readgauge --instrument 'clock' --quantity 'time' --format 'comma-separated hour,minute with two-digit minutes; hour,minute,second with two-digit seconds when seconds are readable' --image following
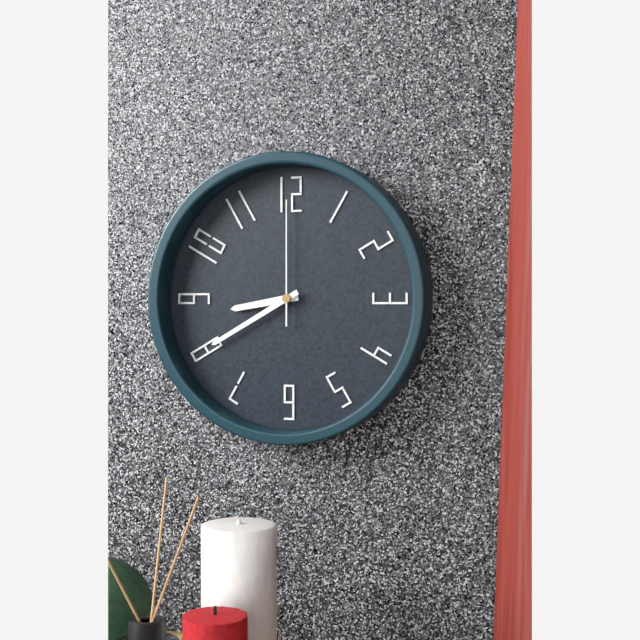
8,40,00
